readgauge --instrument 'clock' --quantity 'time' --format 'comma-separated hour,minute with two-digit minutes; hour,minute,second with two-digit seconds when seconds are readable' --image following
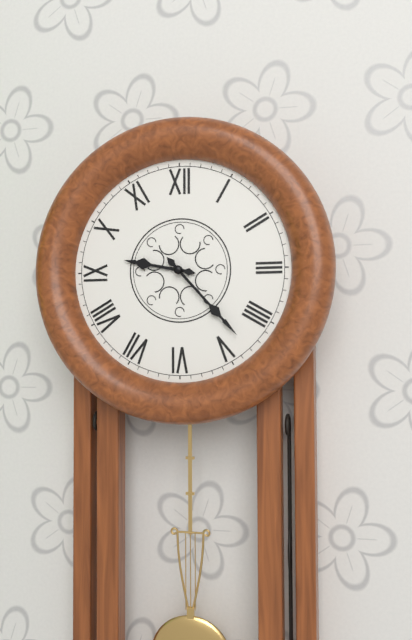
9,23
